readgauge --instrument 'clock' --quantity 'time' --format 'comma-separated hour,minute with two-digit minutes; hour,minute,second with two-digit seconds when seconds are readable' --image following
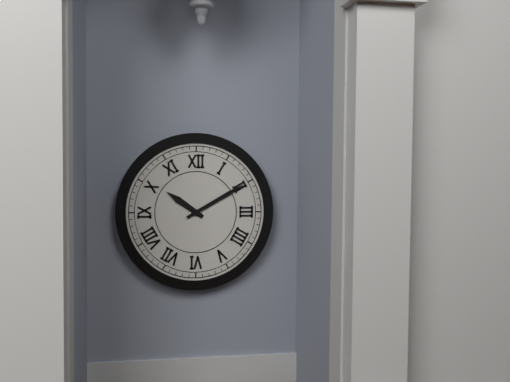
10,10
